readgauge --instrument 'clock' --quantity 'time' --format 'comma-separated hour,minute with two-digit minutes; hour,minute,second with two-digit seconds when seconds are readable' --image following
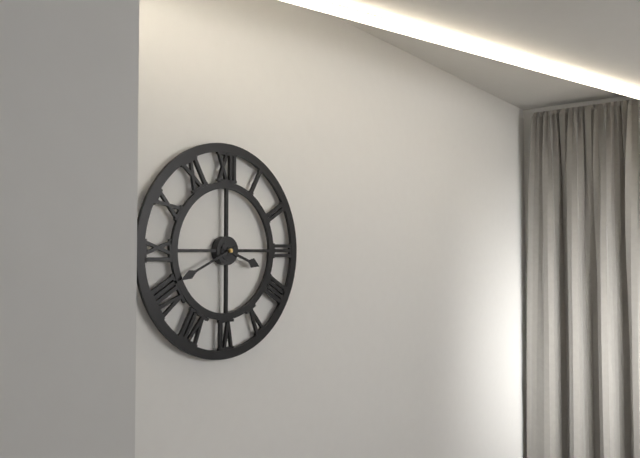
3,41
